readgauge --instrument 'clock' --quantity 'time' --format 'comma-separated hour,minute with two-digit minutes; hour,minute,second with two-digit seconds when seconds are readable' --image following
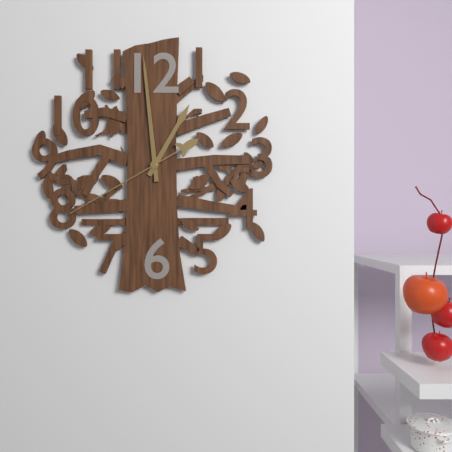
12,59,40
